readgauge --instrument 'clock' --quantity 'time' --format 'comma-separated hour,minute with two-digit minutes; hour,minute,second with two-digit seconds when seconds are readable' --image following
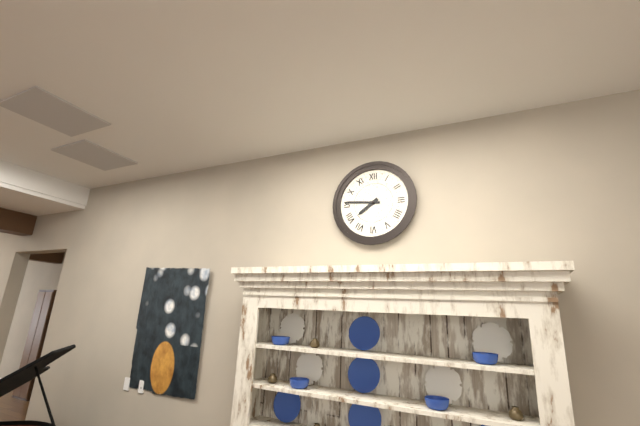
7,46
